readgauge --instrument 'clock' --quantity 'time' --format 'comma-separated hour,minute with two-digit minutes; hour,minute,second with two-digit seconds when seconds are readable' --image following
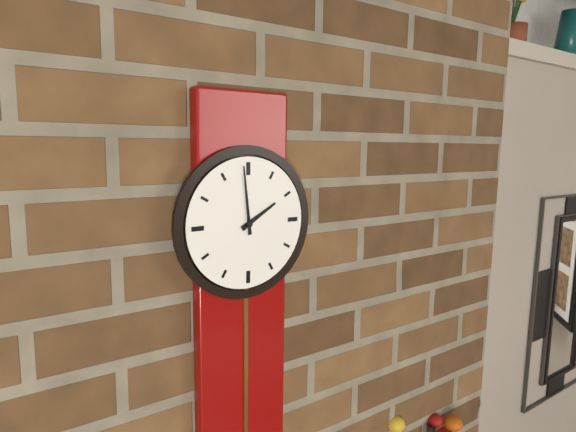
1,59
